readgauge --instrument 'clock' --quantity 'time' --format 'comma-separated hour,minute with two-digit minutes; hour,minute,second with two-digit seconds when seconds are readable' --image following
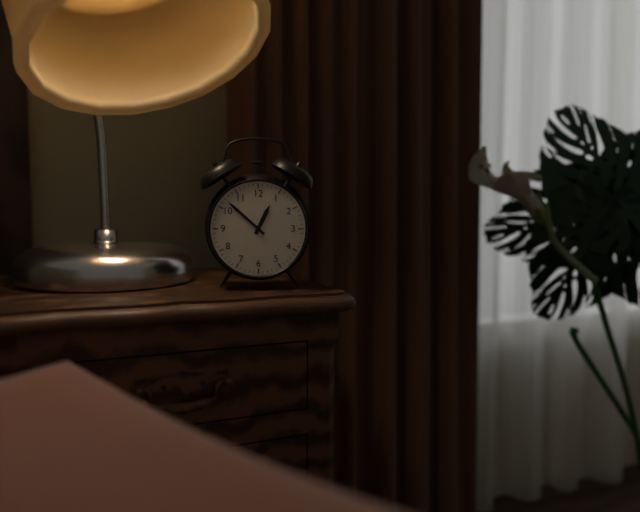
12,52
